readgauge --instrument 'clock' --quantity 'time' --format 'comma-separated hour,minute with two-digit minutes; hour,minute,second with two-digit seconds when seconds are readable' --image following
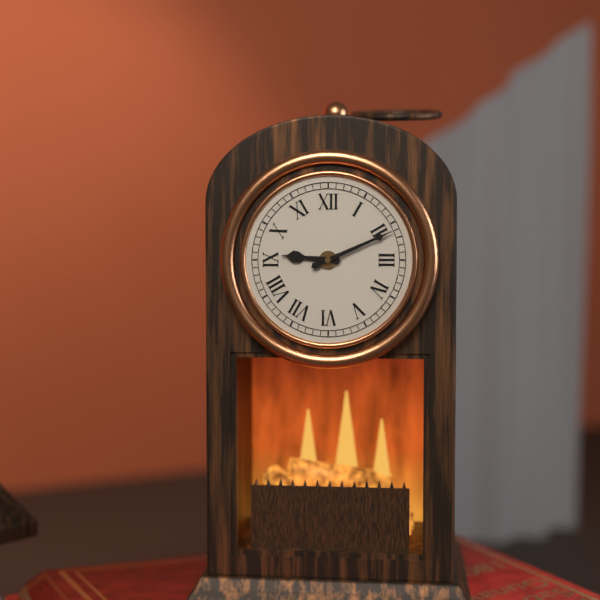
9,11
